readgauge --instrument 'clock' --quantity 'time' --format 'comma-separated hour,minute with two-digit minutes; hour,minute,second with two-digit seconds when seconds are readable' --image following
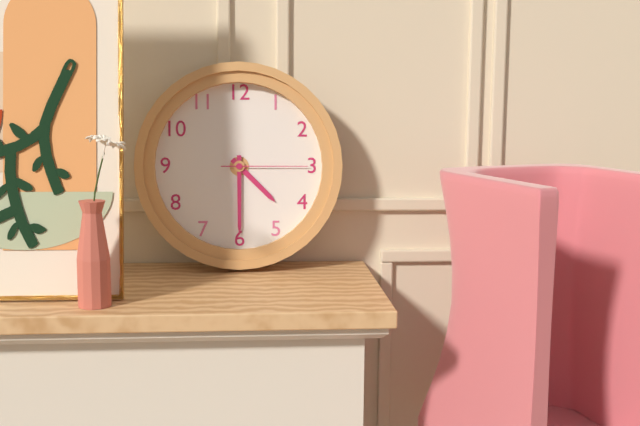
4,30,15
